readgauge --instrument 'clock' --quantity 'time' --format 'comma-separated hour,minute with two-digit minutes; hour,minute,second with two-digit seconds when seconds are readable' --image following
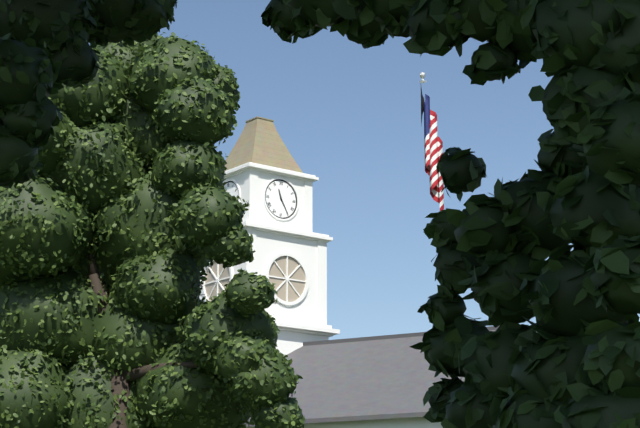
11,25
